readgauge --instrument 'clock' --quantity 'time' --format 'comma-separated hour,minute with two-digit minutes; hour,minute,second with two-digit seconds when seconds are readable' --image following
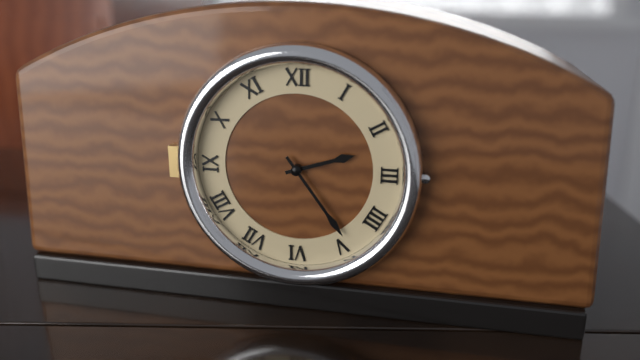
2,24
